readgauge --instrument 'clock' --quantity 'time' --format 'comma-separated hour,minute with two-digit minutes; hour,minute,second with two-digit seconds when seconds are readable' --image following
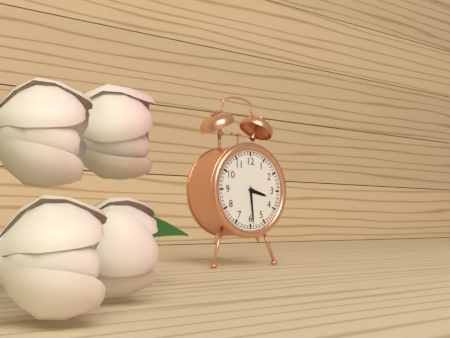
3,29
